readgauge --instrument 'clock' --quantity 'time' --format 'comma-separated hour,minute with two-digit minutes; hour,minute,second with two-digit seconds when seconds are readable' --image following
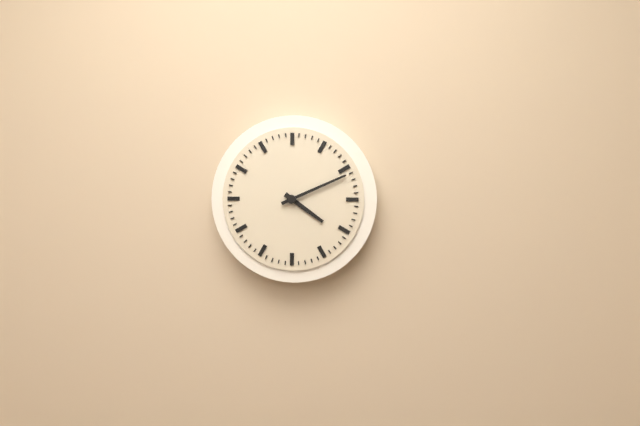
4,11
